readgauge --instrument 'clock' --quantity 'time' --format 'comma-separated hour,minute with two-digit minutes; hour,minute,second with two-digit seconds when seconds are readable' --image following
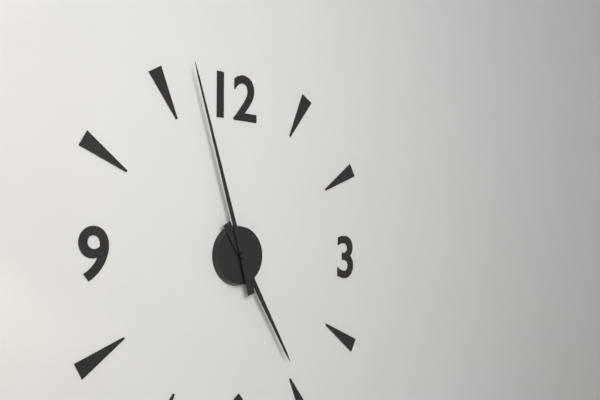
4,57
